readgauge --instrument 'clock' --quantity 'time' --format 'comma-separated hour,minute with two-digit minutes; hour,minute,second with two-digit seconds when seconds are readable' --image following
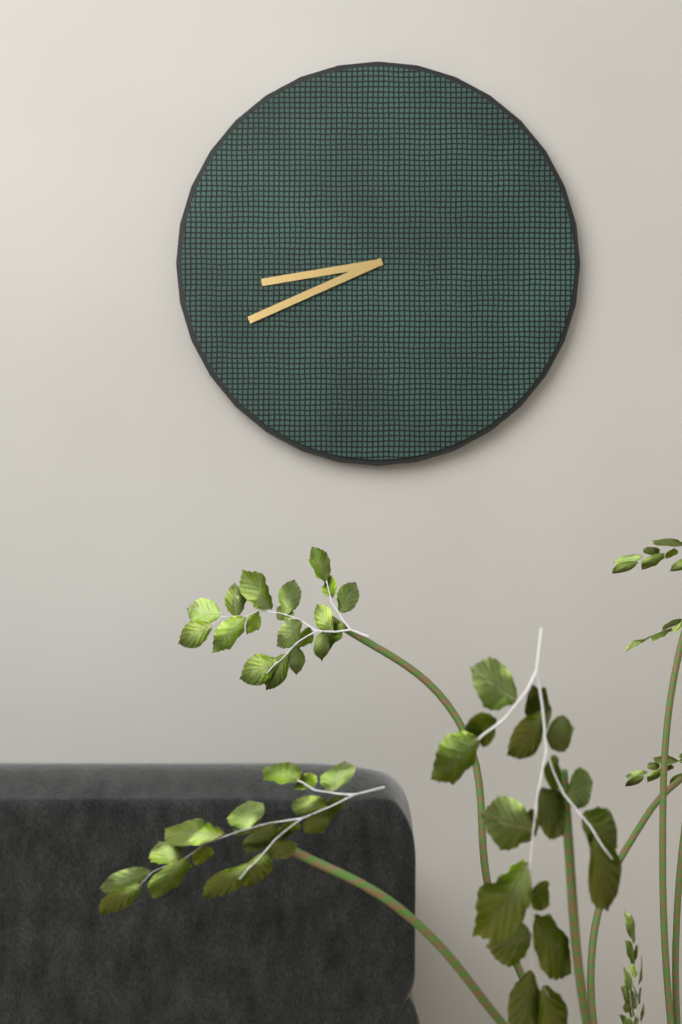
8,41
